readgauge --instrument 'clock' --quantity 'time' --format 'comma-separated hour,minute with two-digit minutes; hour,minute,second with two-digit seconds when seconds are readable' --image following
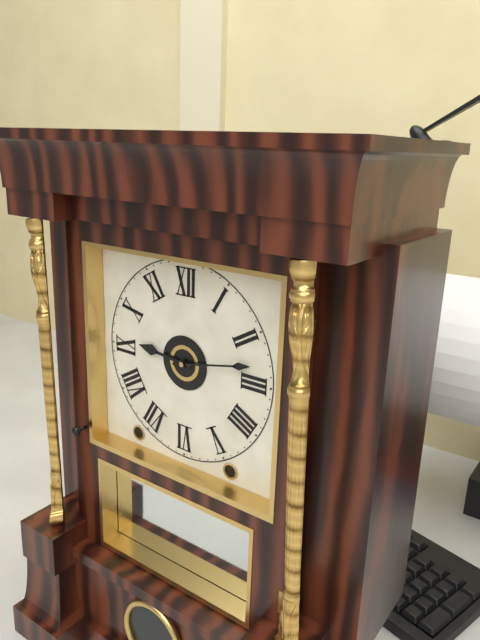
9,13
